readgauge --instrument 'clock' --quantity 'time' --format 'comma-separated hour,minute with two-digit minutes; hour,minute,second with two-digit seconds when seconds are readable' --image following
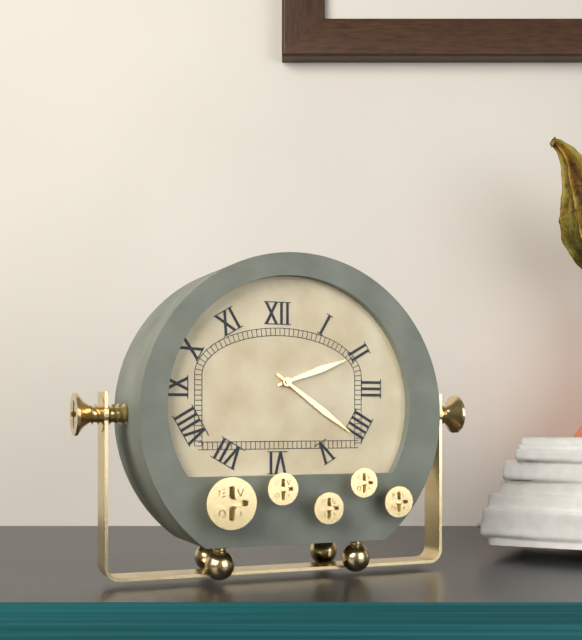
2,21
